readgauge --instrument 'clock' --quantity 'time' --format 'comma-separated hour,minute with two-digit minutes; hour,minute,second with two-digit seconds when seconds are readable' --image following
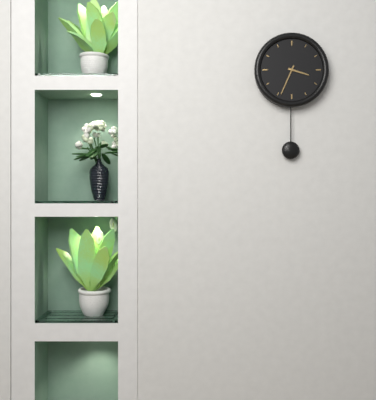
3,34
